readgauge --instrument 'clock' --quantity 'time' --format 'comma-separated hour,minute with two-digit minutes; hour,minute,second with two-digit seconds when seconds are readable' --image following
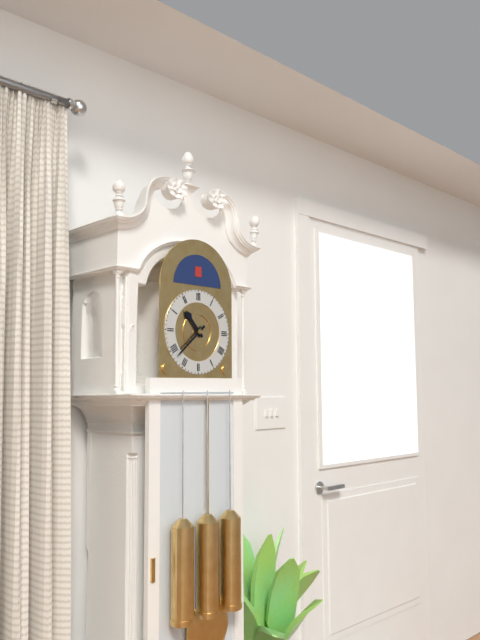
10,38
